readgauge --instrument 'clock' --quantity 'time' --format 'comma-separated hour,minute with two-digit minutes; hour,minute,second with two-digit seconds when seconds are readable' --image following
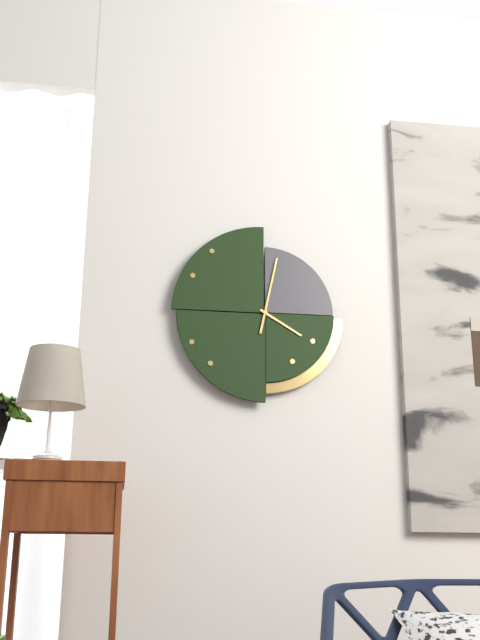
4,02
